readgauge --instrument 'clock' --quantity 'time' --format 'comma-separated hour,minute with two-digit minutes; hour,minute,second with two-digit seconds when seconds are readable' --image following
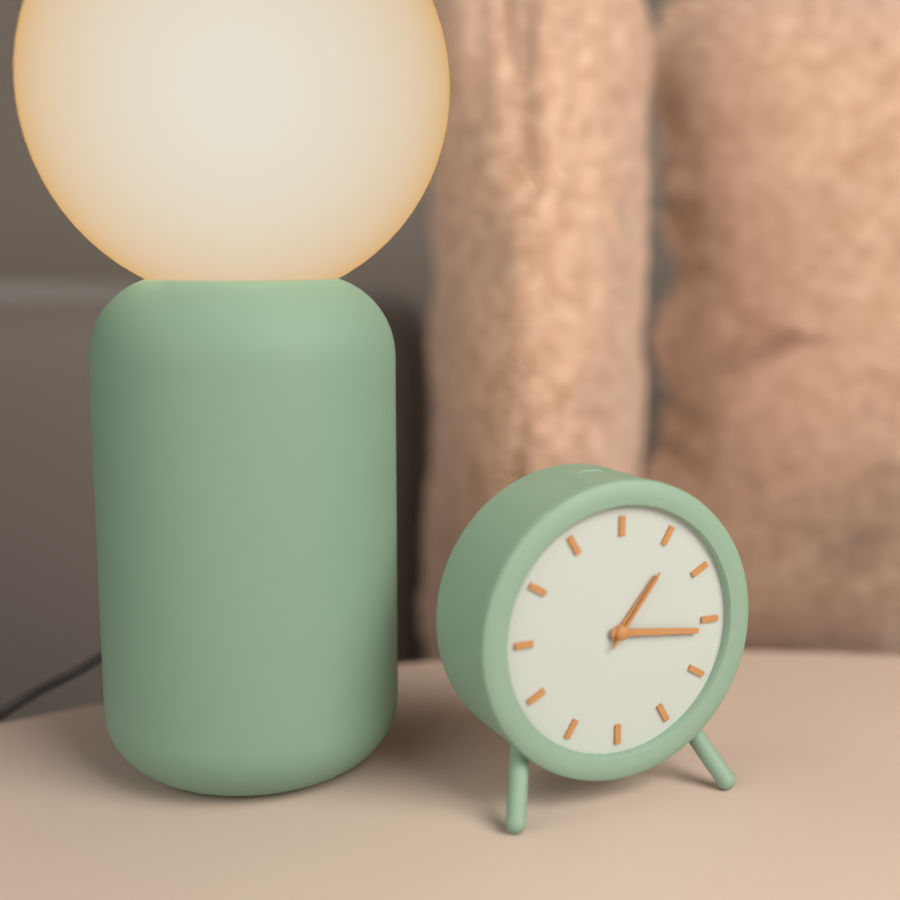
1,16,06
